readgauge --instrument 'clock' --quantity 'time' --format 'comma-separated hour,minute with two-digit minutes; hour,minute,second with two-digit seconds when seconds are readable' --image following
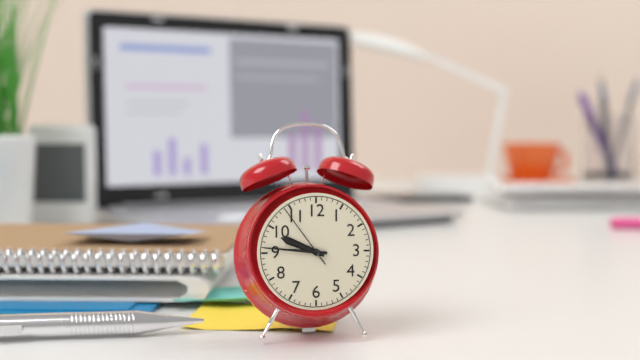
9,46,54
